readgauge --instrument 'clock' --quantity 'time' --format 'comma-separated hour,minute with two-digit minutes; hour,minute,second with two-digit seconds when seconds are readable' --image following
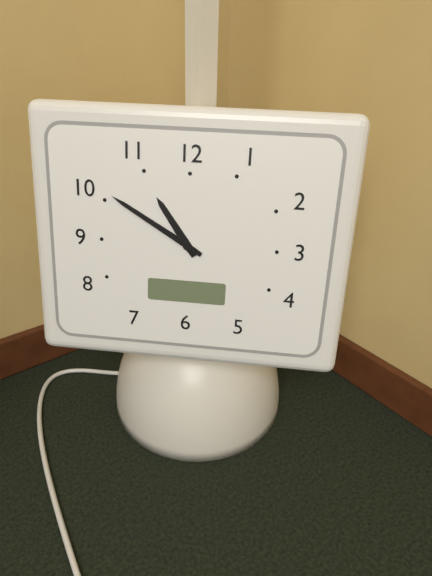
10,50
